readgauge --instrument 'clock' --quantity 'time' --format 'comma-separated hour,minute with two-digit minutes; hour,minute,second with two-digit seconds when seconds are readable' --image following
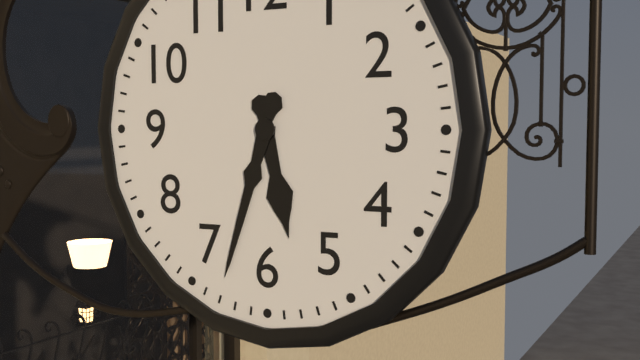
5,33
